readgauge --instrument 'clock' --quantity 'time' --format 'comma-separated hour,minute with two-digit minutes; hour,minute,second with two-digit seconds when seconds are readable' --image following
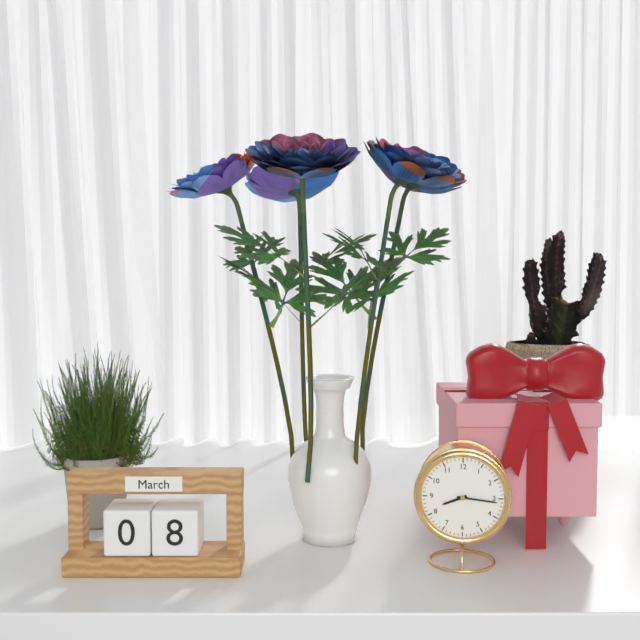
8,16
